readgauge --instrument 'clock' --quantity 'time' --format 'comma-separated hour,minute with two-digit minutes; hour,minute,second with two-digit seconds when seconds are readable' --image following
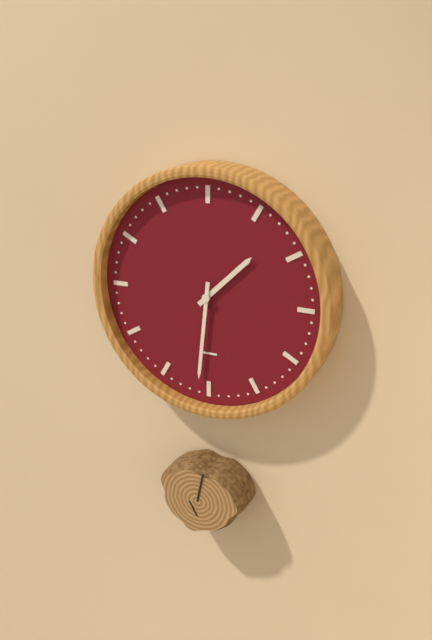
1,31
